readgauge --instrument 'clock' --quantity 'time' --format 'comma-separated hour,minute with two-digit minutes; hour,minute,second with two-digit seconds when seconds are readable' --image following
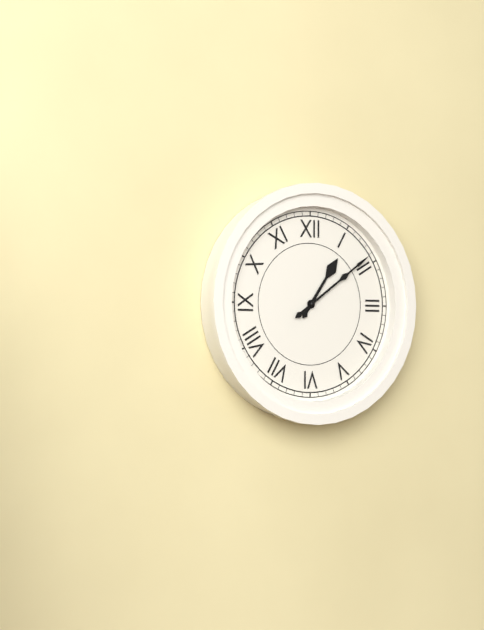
1,09
